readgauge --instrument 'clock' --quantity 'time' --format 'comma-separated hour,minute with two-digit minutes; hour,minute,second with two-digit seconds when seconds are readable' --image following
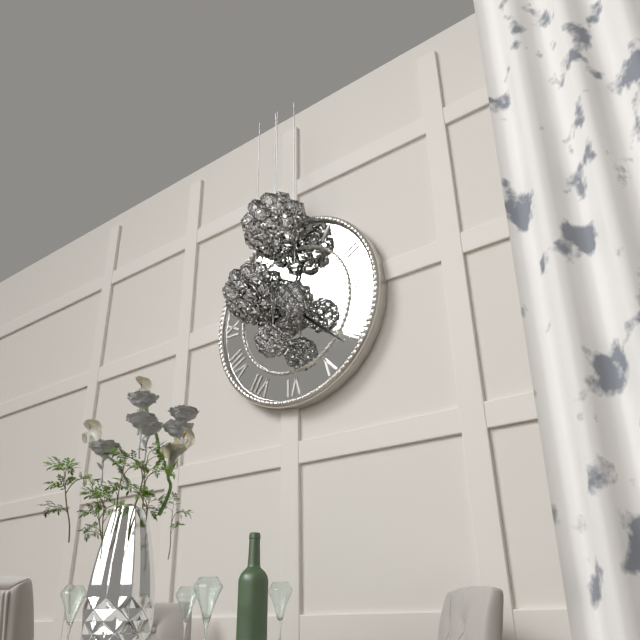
12,22
